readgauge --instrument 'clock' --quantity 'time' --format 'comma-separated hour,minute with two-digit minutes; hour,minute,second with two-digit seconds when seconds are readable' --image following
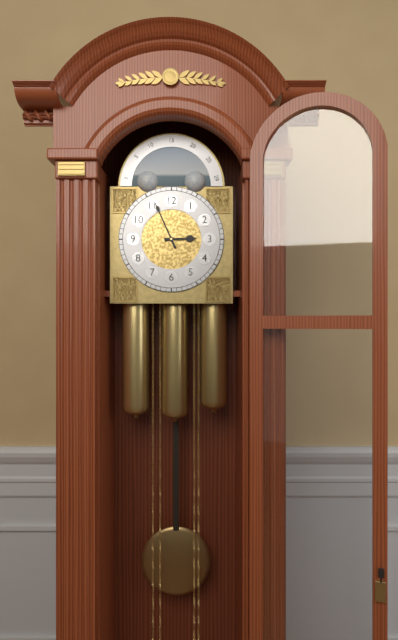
2,56
